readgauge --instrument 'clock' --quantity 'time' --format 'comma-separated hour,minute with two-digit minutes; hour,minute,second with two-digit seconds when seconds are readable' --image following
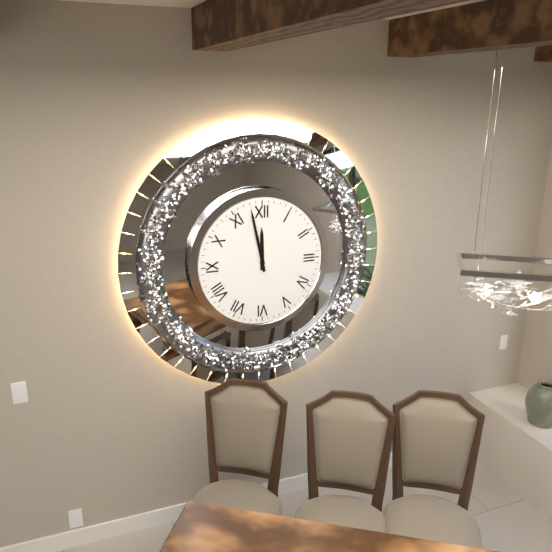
11,58
